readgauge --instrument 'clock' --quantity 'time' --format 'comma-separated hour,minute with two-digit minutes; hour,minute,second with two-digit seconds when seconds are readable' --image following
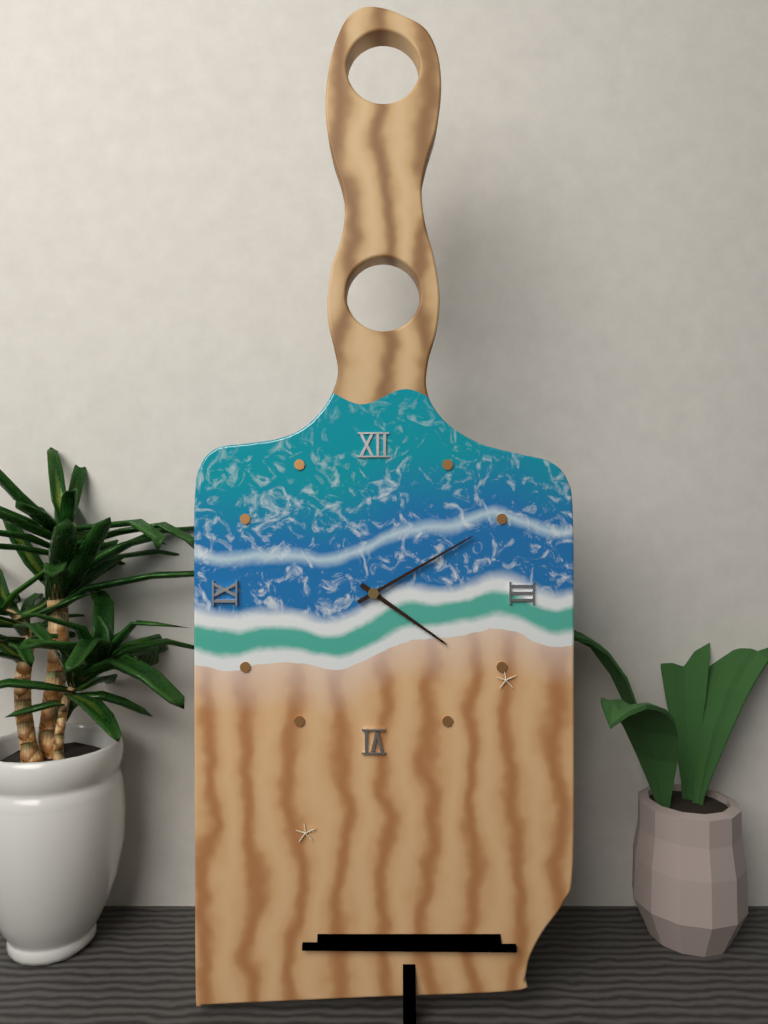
4,10
